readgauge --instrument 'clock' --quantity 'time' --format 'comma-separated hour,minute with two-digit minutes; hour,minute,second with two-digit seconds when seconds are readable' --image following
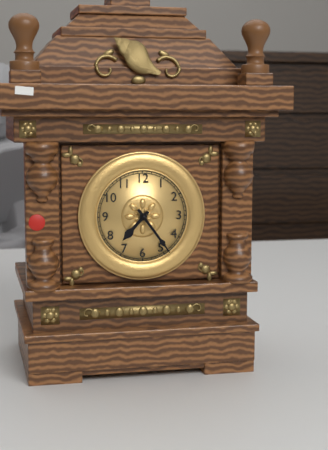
7,24
